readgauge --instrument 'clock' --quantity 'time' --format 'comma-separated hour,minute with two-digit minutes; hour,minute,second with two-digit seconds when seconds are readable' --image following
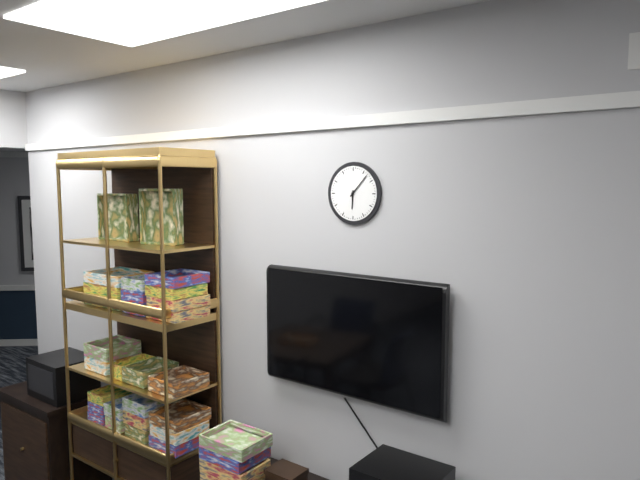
6,07
